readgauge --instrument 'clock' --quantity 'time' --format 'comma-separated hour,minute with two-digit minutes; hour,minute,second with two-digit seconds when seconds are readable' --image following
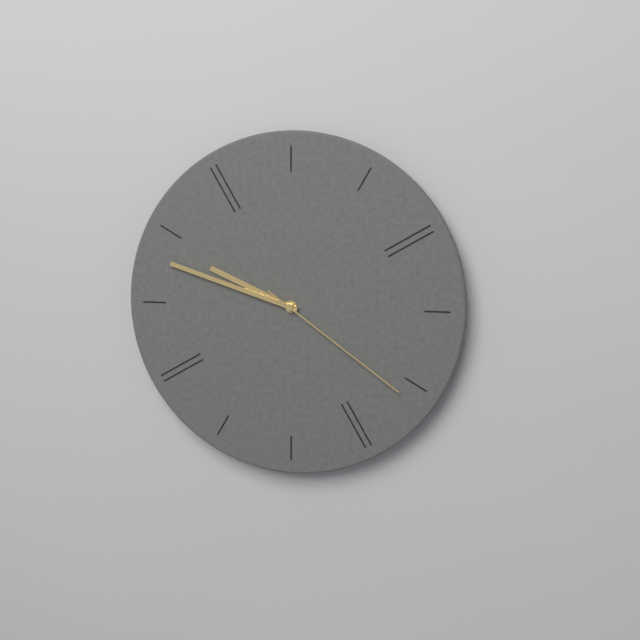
9,48,21
